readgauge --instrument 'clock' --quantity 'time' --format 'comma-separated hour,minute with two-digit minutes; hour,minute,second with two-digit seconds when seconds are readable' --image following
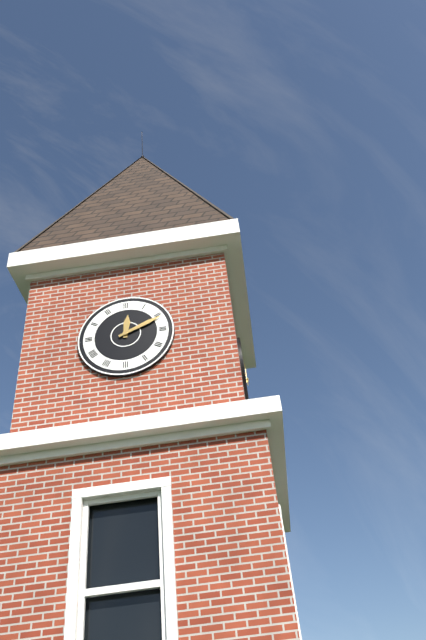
12,11
